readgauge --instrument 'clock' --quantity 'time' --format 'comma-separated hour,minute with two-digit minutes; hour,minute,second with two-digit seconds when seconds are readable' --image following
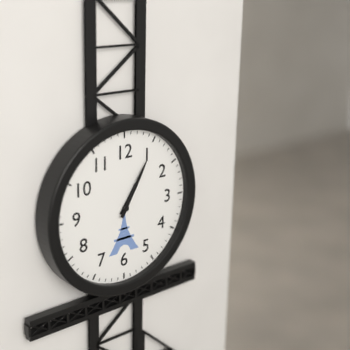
1,05
